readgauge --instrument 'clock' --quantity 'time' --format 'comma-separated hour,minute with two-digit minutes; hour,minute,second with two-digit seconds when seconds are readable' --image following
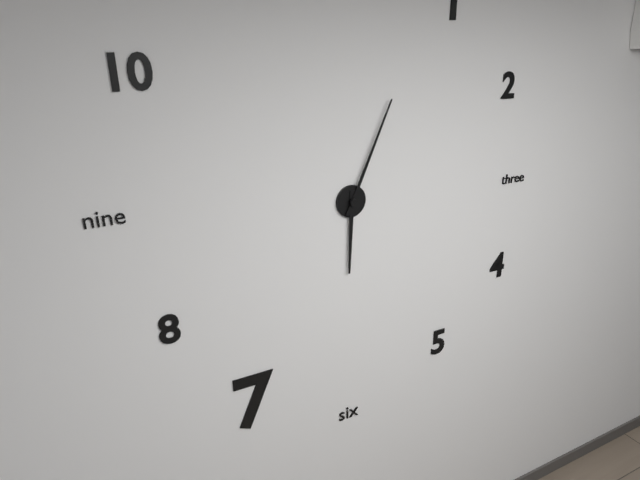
6,04
